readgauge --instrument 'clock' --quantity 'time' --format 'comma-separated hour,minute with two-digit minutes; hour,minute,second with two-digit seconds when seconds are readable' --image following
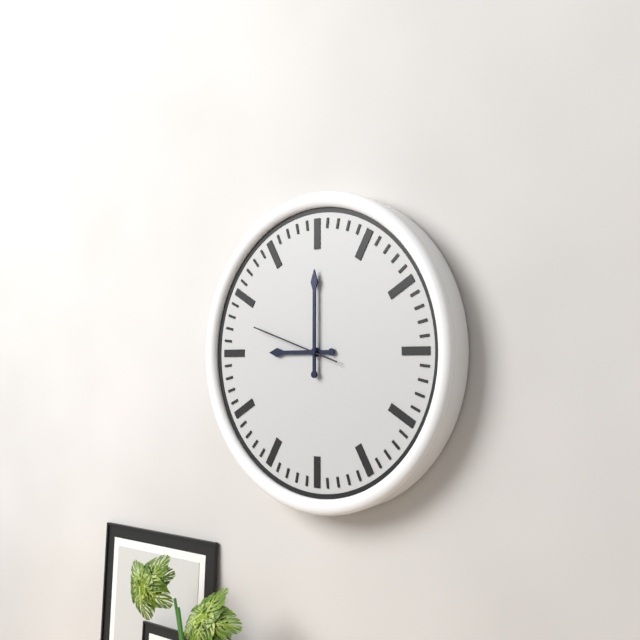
9,00,48
